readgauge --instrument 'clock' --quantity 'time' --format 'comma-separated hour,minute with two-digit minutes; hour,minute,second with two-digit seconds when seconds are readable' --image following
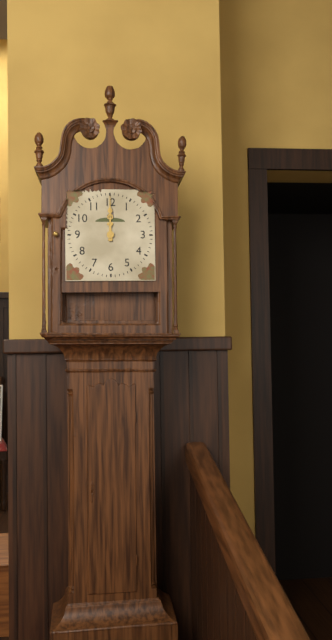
12,00
